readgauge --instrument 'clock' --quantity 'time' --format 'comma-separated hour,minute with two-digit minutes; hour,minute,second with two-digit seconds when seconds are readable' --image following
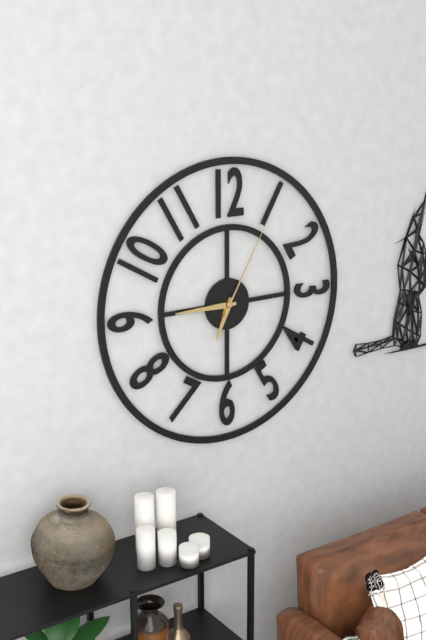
6,45,05
